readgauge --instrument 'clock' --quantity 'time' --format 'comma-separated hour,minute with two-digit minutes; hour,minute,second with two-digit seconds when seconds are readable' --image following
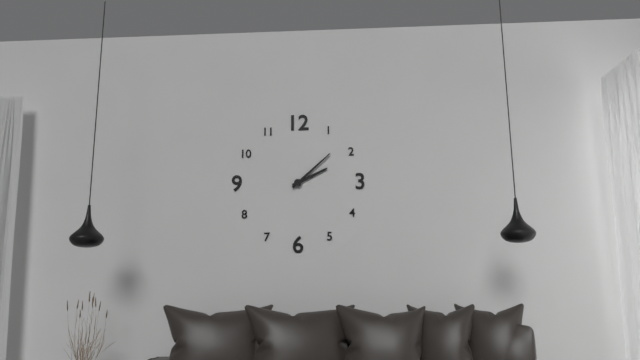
2,08
